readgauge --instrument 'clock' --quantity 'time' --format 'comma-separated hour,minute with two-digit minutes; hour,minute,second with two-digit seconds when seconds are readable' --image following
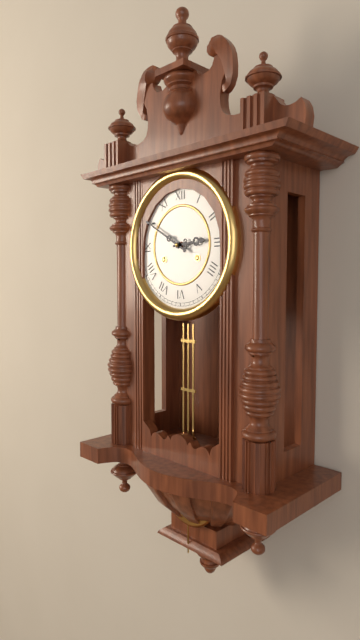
2,50
